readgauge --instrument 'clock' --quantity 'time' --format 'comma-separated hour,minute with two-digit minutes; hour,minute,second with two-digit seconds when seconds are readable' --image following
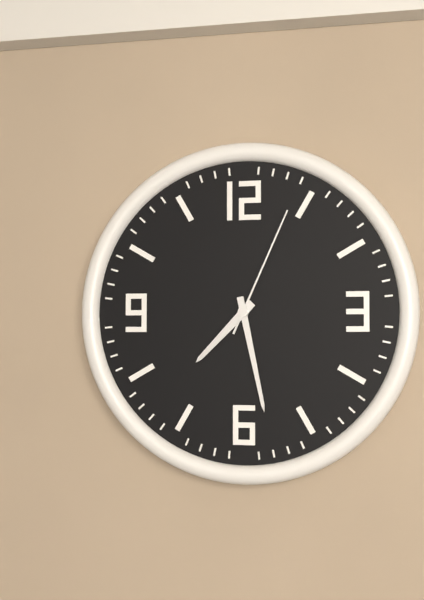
7,28,04
